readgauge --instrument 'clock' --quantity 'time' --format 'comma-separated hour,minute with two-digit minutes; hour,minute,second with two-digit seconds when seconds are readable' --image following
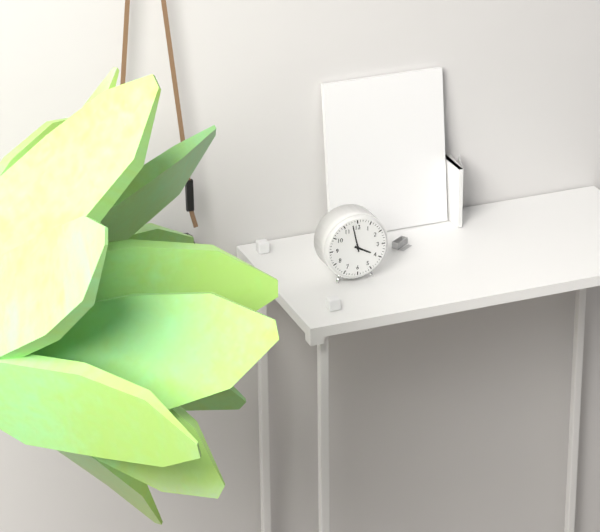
3,58
